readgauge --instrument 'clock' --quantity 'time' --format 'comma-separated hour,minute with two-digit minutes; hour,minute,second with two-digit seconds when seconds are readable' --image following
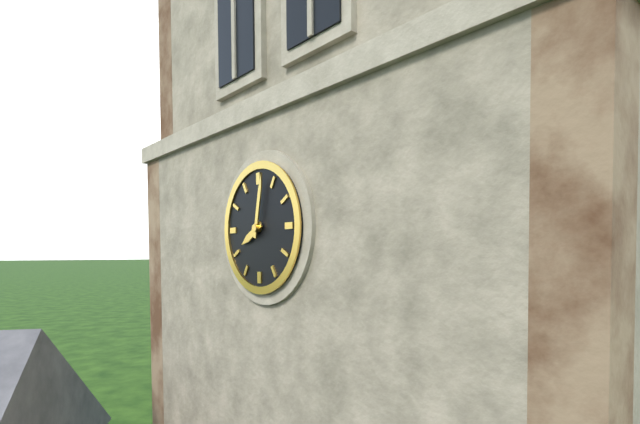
8,02
